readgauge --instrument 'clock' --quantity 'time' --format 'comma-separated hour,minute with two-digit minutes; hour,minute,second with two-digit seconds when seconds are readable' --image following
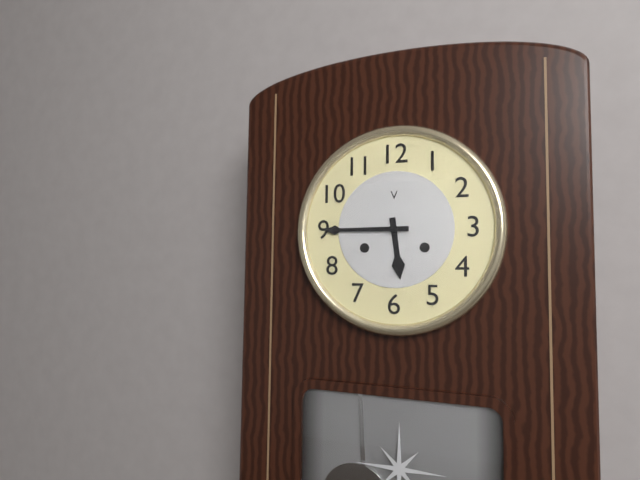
5,45
